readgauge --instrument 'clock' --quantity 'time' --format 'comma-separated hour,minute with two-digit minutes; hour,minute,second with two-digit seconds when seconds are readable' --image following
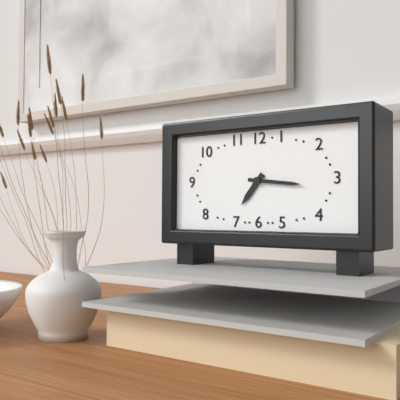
7,16
